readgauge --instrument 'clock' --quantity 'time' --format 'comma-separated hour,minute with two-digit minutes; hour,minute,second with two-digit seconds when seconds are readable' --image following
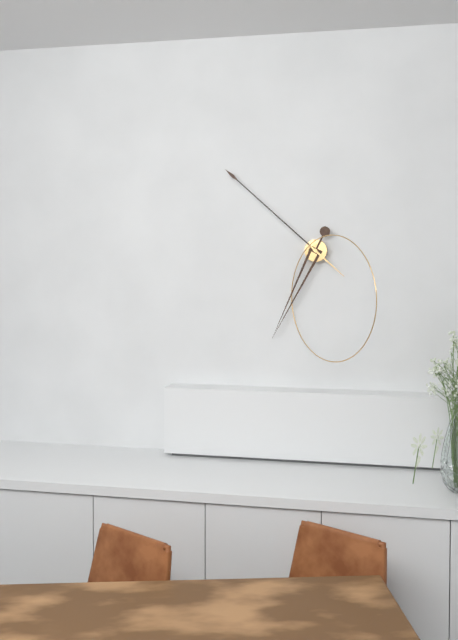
6,52
